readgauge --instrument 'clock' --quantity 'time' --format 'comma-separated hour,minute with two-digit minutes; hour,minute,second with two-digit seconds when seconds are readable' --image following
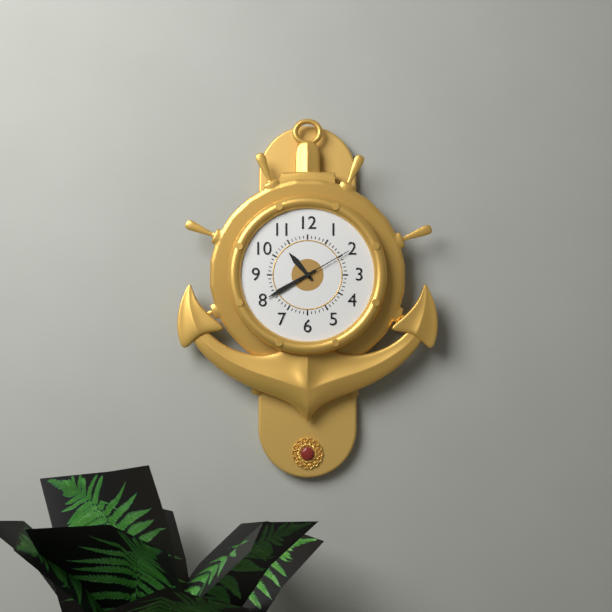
10,40,10
